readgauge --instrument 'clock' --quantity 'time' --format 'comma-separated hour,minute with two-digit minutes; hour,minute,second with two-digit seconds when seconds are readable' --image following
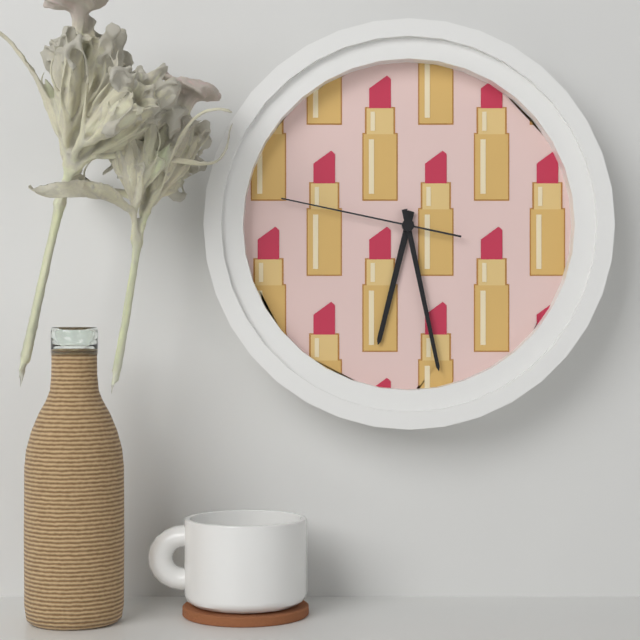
6,28,47
